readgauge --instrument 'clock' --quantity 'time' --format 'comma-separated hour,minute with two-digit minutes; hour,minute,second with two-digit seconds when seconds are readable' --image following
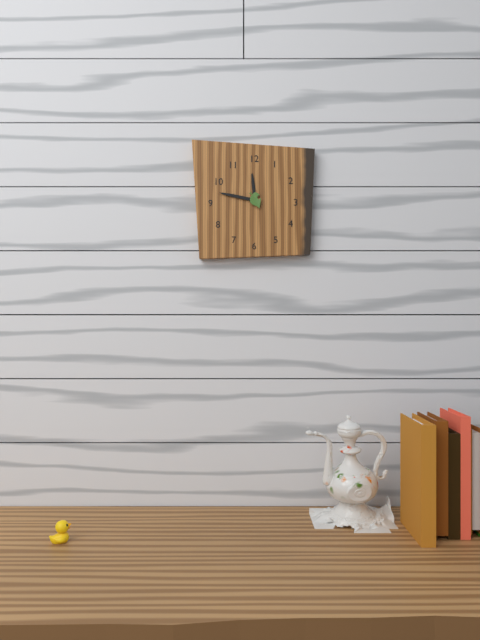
11,47
